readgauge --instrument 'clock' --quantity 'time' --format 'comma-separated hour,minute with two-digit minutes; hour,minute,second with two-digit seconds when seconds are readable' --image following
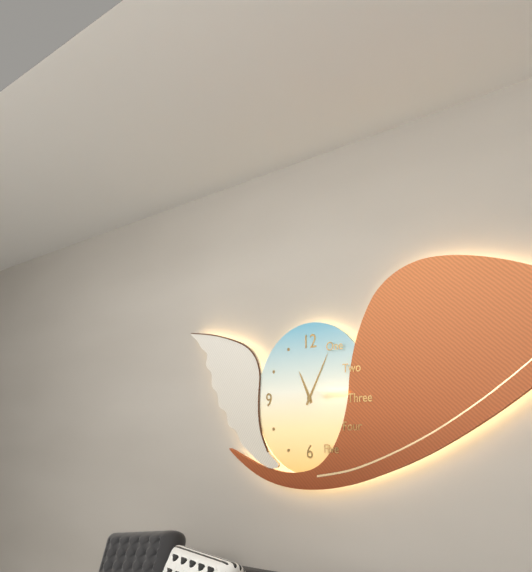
11,05
